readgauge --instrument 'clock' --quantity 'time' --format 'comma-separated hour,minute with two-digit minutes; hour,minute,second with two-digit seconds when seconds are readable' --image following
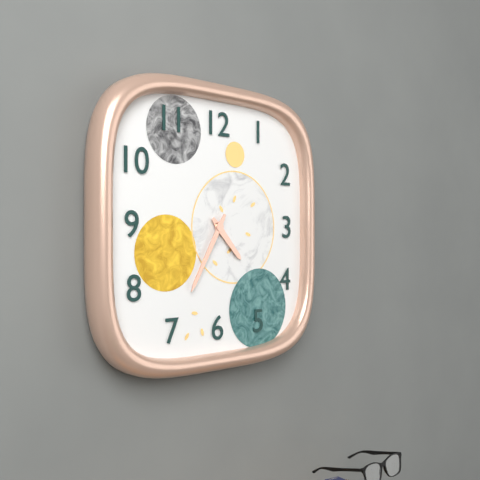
4,35
